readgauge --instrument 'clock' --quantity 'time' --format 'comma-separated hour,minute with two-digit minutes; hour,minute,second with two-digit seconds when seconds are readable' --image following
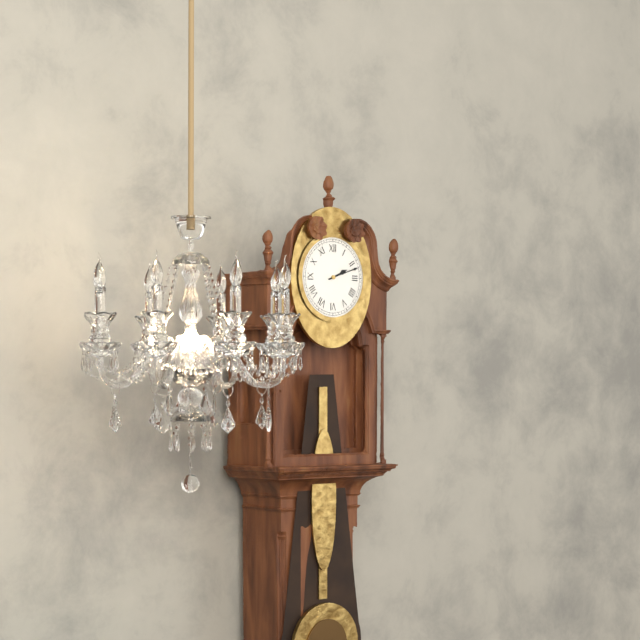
2,12
